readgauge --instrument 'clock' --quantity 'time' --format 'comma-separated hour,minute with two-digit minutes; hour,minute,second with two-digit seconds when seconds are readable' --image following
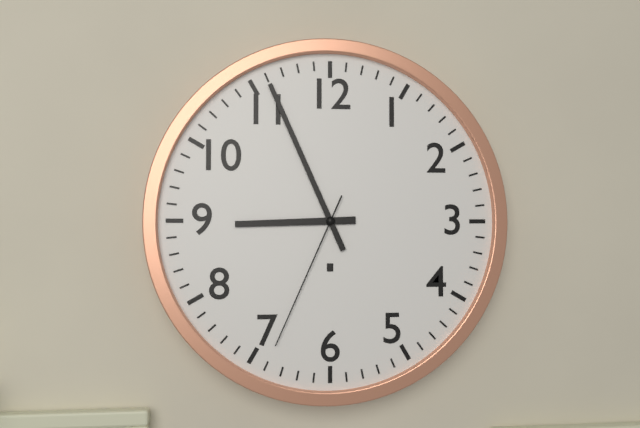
8,56,34
